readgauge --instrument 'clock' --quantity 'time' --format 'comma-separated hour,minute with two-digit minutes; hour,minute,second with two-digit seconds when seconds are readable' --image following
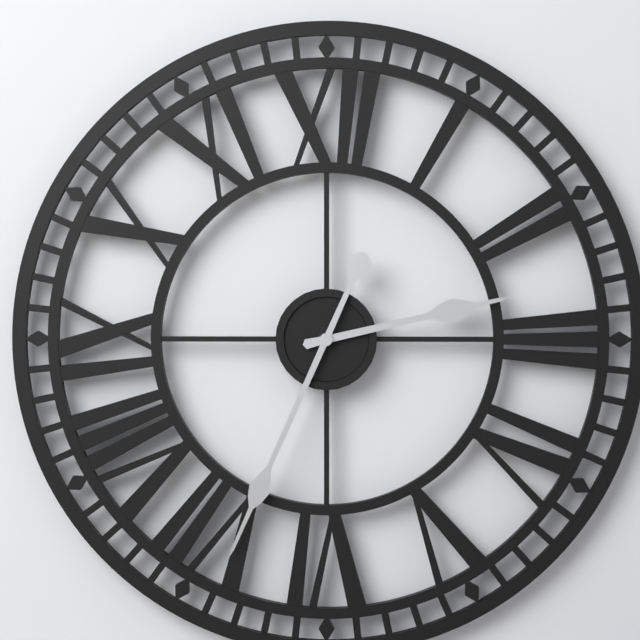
2,34
